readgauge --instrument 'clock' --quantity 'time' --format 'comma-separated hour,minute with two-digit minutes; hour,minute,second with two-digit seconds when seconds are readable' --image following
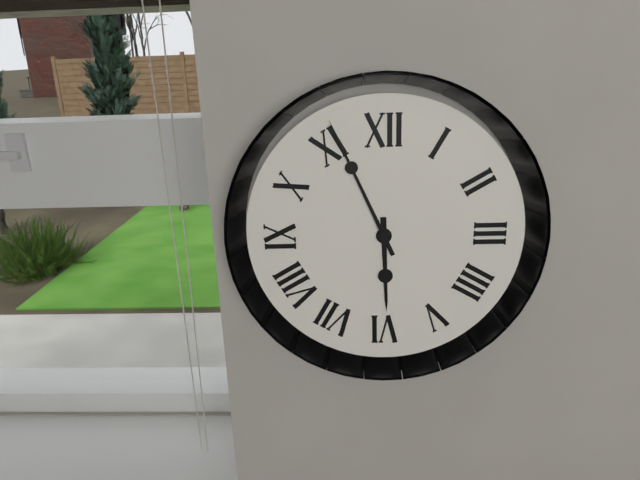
5,56
